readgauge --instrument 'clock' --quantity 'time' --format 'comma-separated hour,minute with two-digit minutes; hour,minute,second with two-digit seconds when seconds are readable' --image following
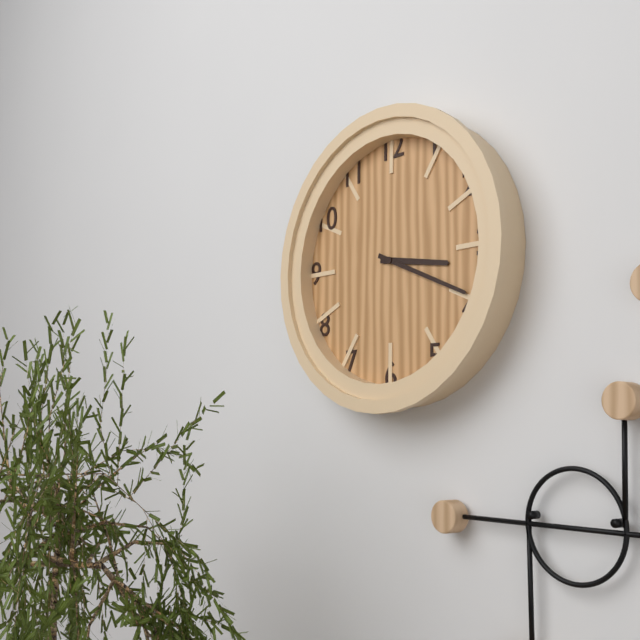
3,19
